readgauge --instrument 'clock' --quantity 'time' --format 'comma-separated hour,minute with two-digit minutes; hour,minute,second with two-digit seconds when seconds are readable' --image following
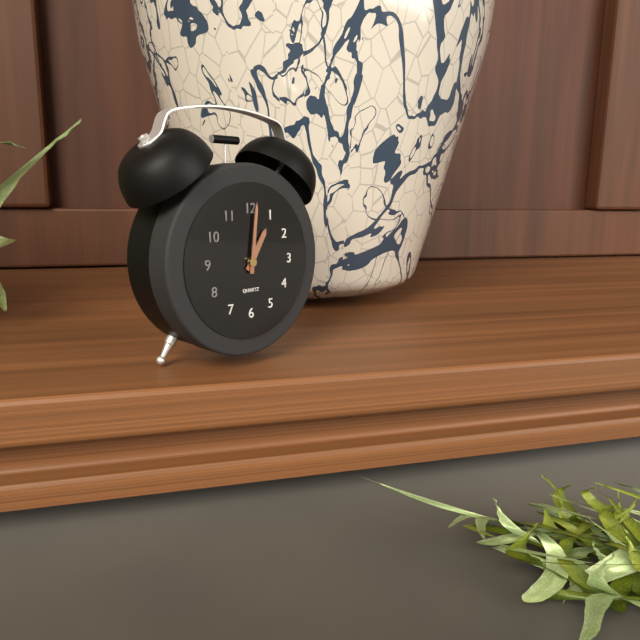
1,01
